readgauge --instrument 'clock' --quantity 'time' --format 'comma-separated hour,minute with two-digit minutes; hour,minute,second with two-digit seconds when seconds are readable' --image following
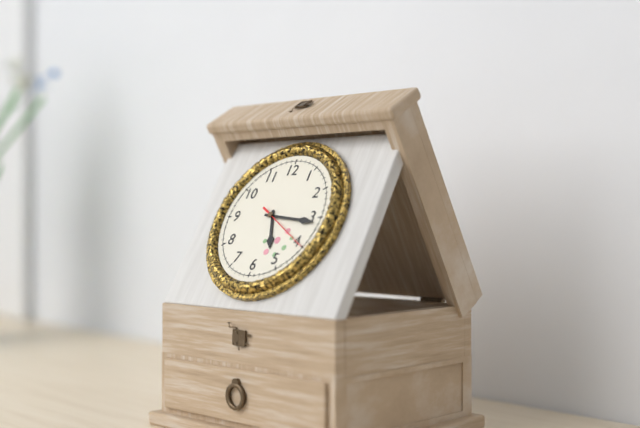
5,16,20
